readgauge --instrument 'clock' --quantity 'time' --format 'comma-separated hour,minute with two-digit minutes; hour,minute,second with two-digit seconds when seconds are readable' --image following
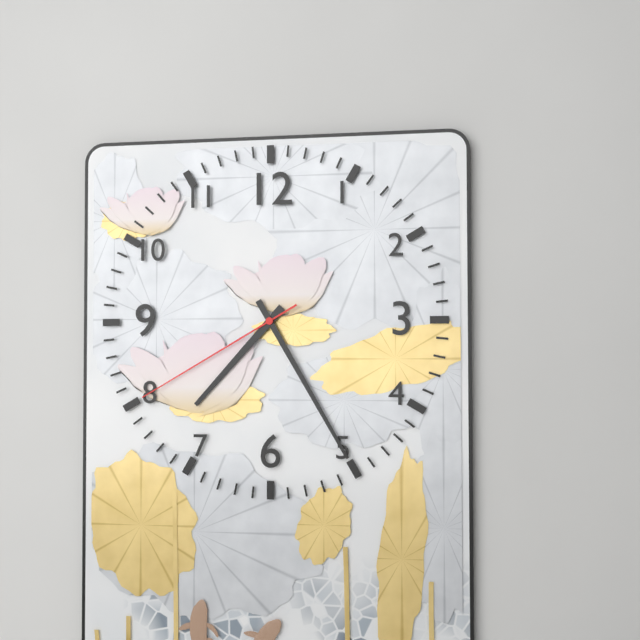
7,25,40
